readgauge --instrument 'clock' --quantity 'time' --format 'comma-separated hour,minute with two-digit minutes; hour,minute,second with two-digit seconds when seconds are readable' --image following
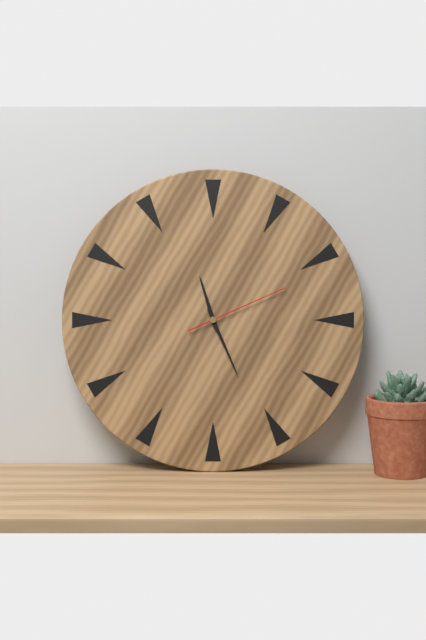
11,26,11
